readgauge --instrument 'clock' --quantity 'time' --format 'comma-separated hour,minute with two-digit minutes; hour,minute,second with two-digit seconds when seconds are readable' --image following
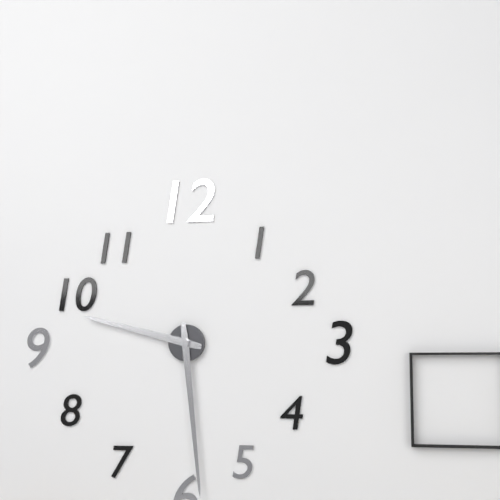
9,29
